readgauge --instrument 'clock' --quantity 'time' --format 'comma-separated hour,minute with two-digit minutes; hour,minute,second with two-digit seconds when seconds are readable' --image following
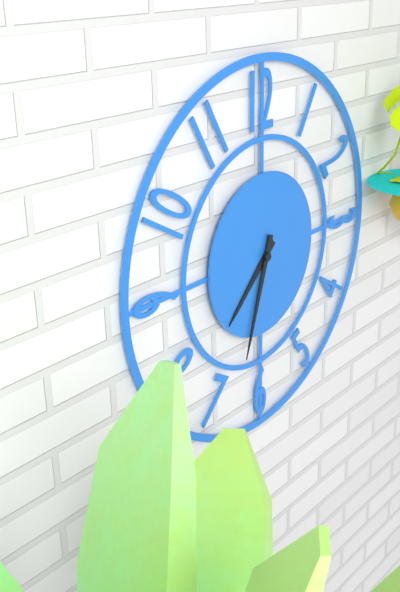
7,33
